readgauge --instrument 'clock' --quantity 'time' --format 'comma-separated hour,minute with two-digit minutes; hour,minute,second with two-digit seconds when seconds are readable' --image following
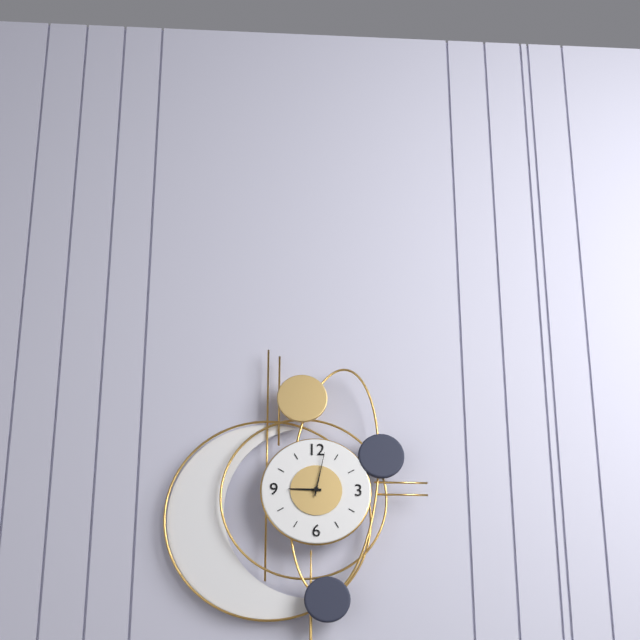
9,02
